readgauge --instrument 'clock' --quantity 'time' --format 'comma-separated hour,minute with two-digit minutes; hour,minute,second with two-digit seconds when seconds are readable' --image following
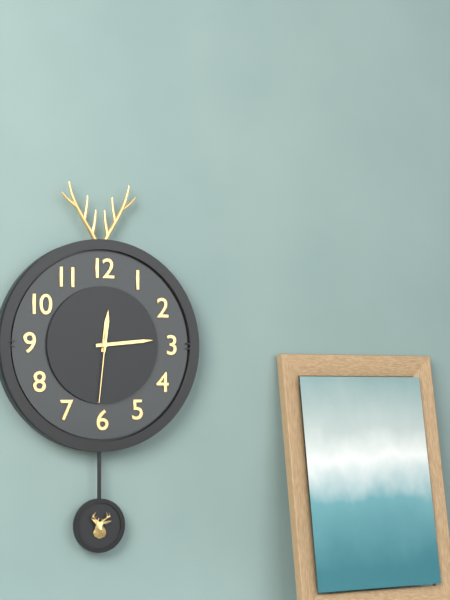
12,14,31
